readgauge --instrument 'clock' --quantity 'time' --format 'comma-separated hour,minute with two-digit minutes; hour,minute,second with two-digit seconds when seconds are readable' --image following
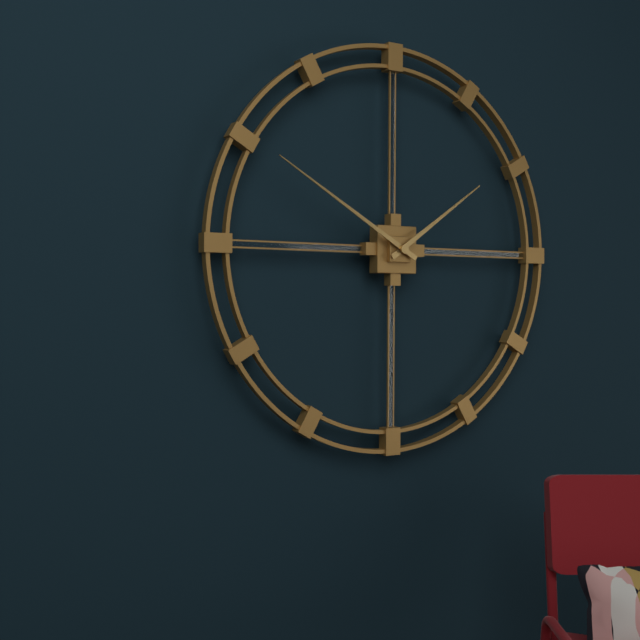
1,50
